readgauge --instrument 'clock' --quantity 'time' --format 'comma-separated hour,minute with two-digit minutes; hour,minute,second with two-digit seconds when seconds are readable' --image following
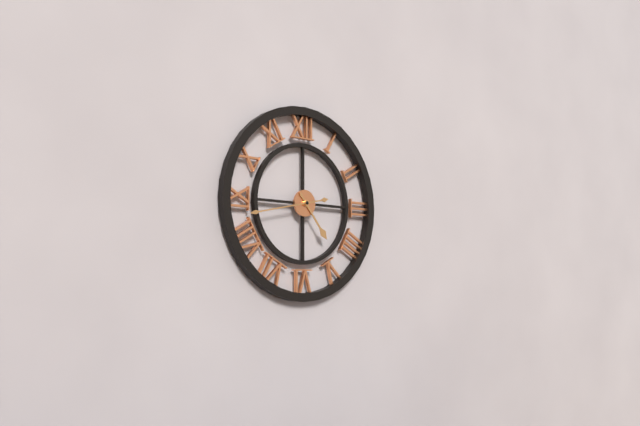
4,43
